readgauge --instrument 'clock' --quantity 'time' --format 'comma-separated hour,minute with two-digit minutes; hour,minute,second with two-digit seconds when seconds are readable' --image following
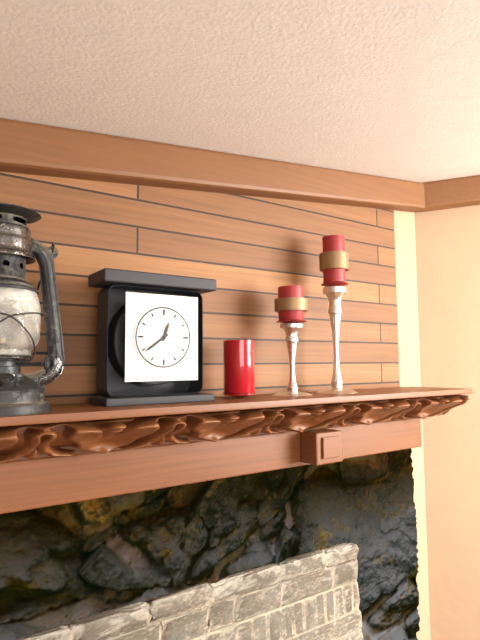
12,39
